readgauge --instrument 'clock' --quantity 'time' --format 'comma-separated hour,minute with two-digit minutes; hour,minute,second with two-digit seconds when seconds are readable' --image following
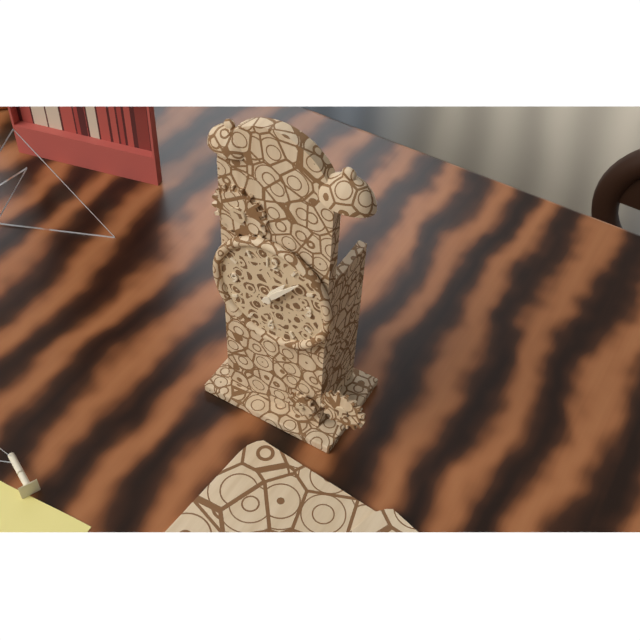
1,07
